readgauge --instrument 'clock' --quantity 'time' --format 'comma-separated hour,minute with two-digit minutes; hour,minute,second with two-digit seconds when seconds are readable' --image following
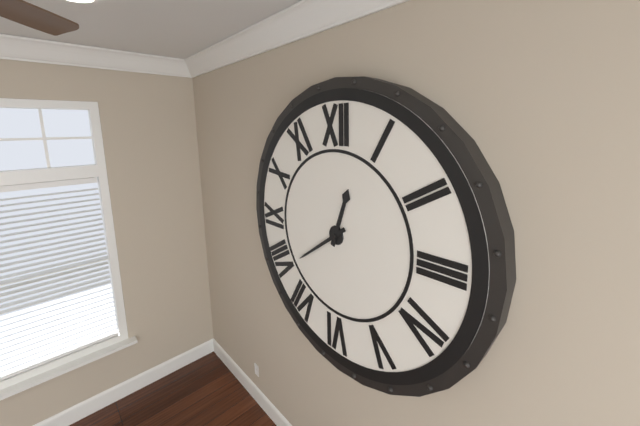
12,39
